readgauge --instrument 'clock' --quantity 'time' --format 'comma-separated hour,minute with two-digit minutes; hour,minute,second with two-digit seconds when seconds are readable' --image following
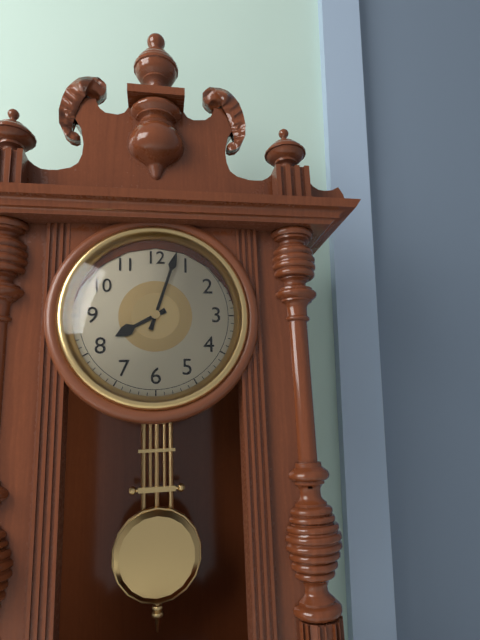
8,03
